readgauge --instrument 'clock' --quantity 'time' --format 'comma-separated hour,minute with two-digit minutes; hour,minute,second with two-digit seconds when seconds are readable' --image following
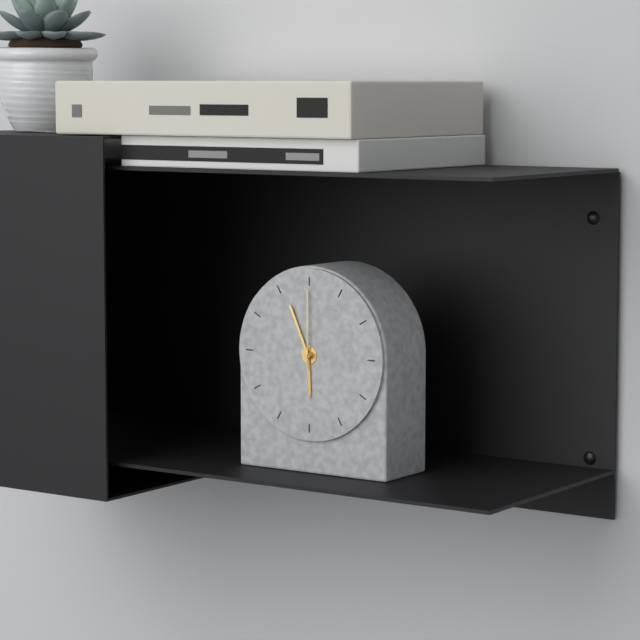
5,56,00
